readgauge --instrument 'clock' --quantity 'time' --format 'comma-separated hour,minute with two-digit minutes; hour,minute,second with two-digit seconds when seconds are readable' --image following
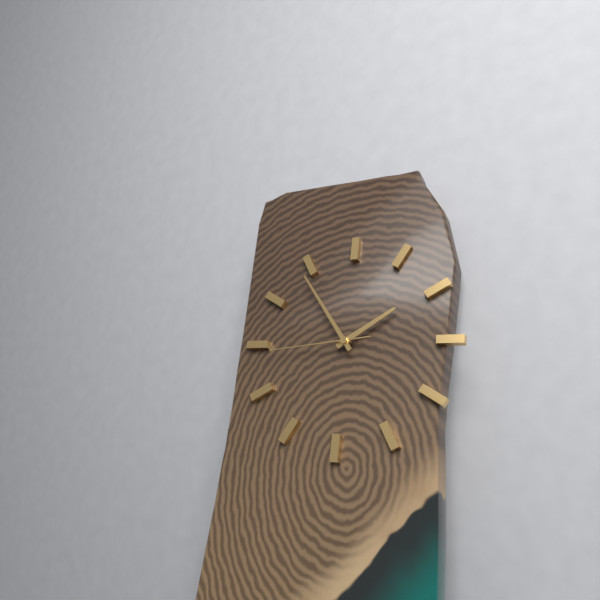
1,54,44
